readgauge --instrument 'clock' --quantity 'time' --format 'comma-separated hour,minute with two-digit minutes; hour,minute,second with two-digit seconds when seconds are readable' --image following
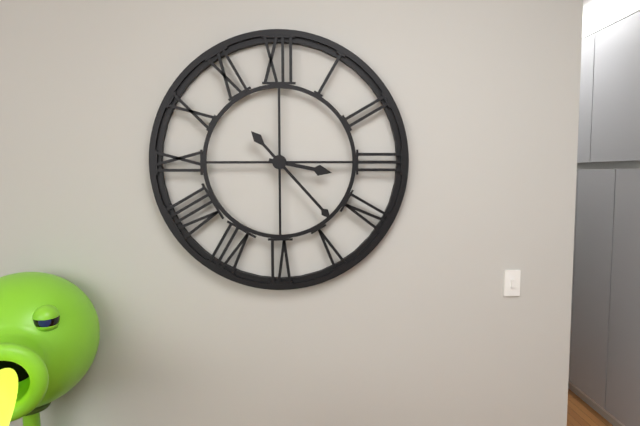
3,23
